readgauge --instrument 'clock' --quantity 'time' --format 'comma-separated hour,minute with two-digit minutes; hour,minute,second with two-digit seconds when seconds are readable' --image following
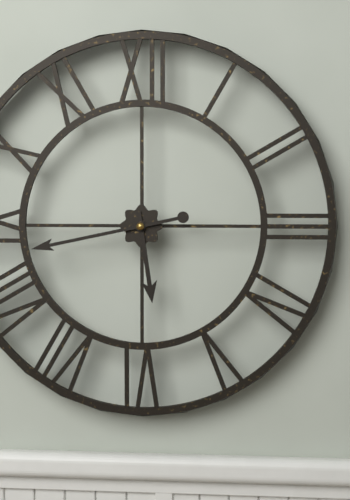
5,43
